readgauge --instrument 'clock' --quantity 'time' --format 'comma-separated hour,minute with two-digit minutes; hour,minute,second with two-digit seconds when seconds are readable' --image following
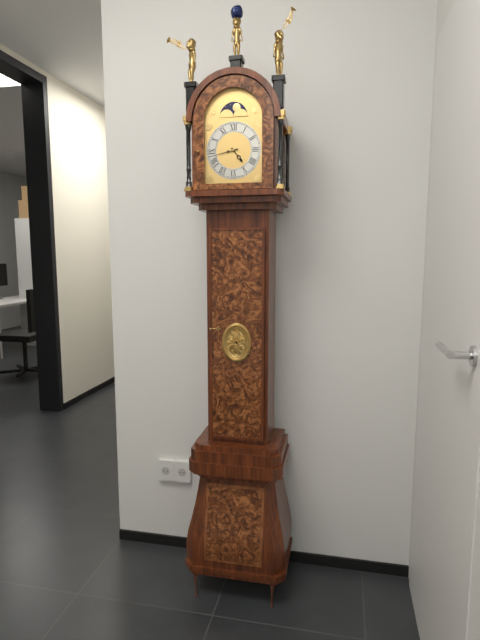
4,43
